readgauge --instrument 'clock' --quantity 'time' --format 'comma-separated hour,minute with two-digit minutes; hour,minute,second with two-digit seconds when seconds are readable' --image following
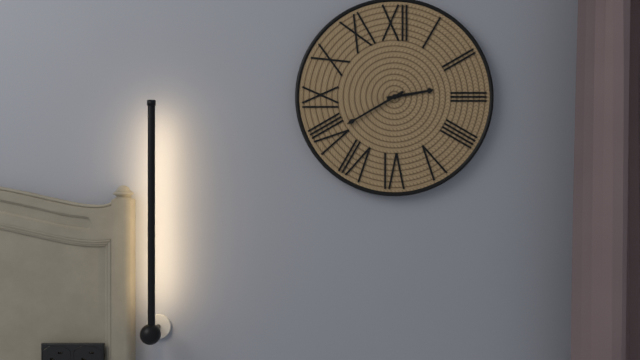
2,40
